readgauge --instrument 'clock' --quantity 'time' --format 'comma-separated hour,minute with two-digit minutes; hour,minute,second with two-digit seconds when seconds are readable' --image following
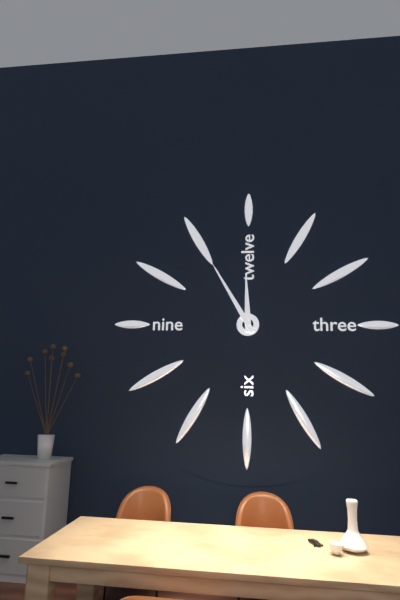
11,55
